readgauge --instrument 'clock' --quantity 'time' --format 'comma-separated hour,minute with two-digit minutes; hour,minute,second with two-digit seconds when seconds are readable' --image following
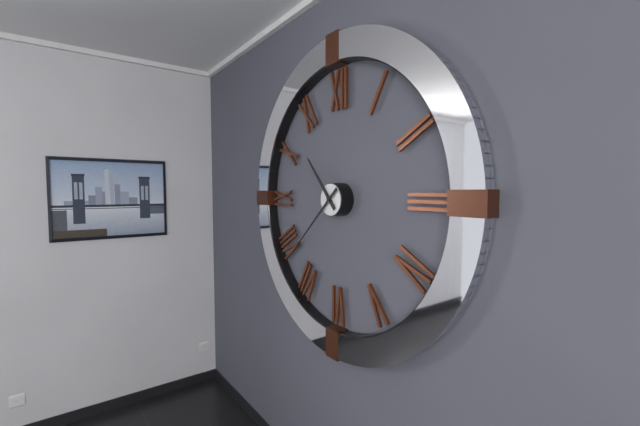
10,38
